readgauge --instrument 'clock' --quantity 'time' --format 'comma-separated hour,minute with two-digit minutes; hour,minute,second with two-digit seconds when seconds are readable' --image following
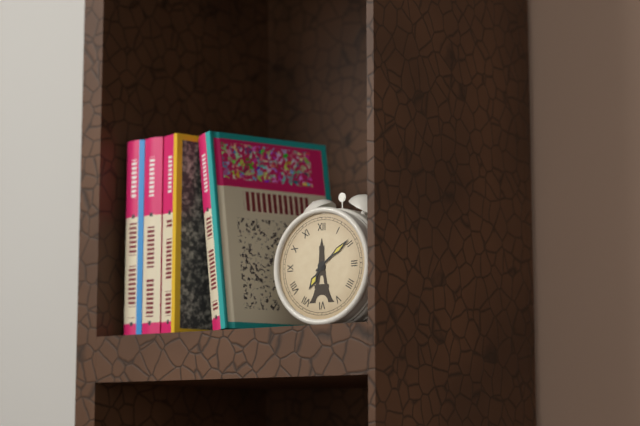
7,09
